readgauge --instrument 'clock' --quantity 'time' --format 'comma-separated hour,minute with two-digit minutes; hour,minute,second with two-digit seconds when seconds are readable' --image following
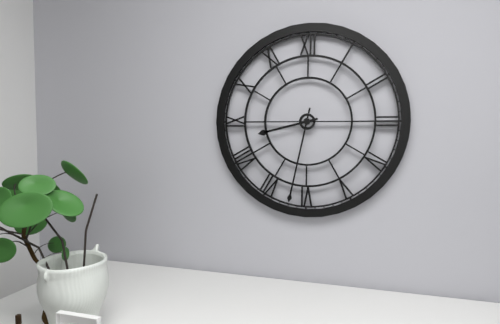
8,32
